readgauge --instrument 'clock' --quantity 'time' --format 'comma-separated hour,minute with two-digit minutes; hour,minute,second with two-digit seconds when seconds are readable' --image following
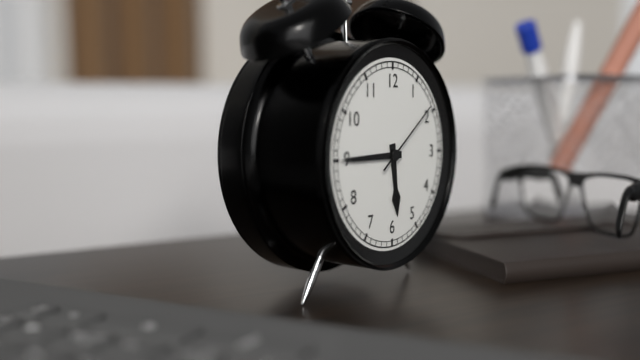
5,45,09
